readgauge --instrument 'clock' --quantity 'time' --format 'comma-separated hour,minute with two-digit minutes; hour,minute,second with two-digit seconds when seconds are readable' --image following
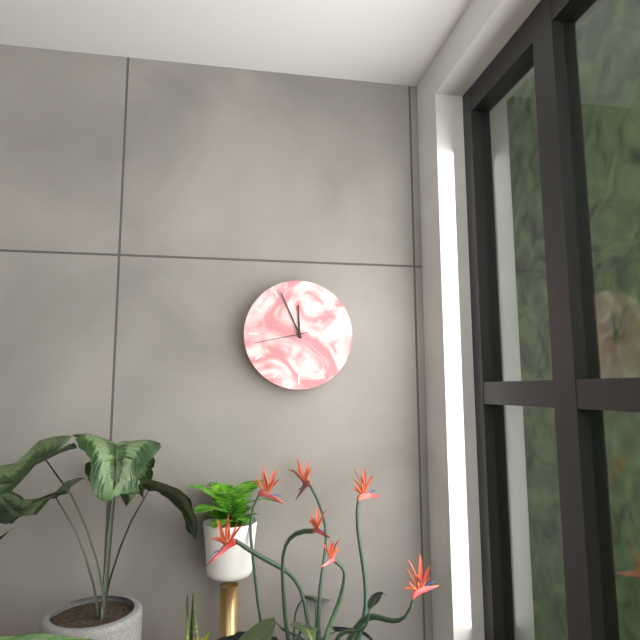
11,56,43
